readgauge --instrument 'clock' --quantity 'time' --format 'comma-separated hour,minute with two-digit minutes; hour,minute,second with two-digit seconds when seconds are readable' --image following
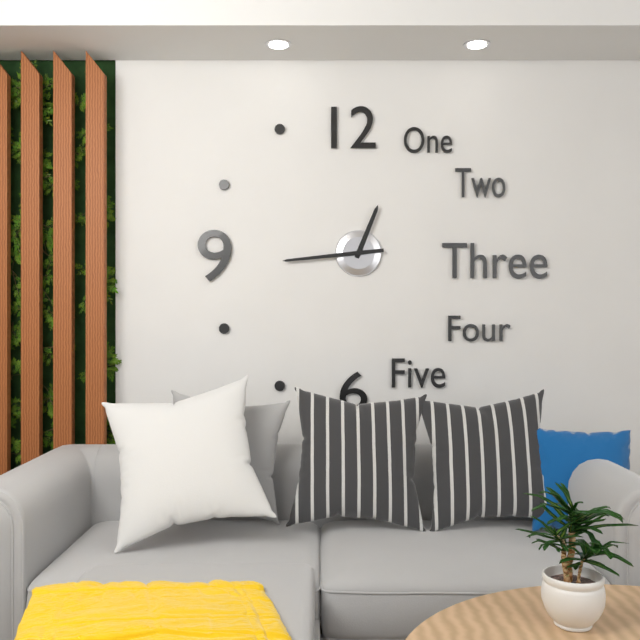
12,44
